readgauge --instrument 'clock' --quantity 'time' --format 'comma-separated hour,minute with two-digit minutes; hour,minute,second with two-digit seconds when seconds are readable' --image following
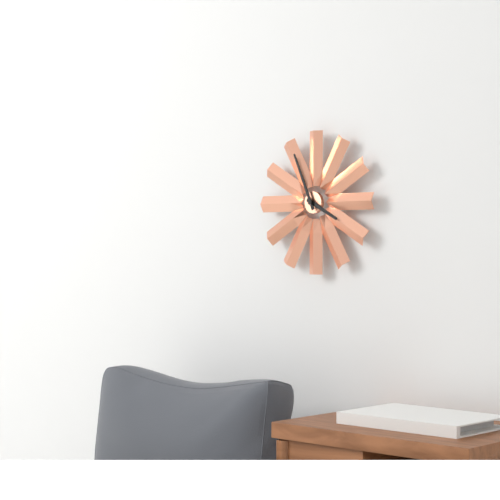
3,56
